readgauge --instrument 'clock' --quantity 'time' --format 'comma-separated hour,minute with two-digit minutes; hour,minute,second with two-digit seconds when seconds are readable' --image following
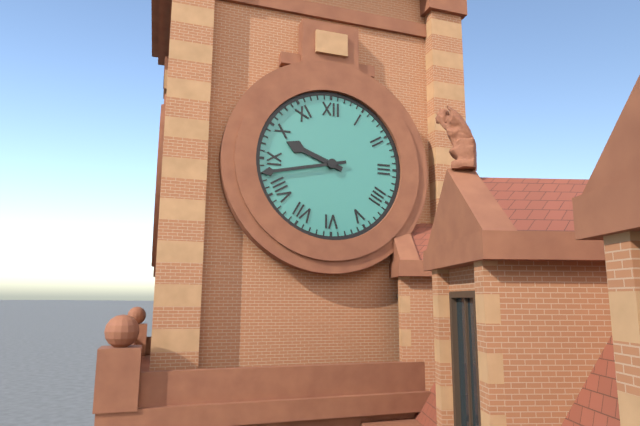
9,43
